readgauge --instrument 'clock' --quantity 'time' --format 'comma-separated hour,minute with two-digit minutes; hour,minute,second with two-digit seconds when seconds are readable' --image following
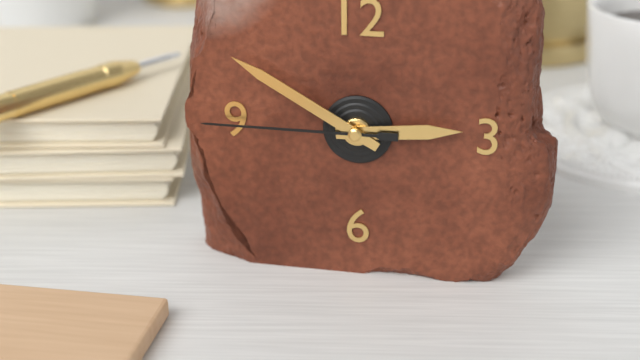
2,50,45
